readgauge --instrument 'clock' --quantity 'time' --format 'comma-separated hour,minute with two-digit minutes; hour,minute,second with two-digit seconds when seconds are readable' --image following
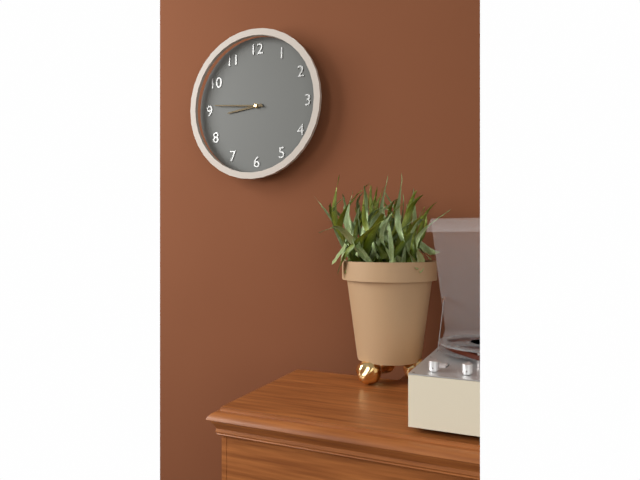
8,46
